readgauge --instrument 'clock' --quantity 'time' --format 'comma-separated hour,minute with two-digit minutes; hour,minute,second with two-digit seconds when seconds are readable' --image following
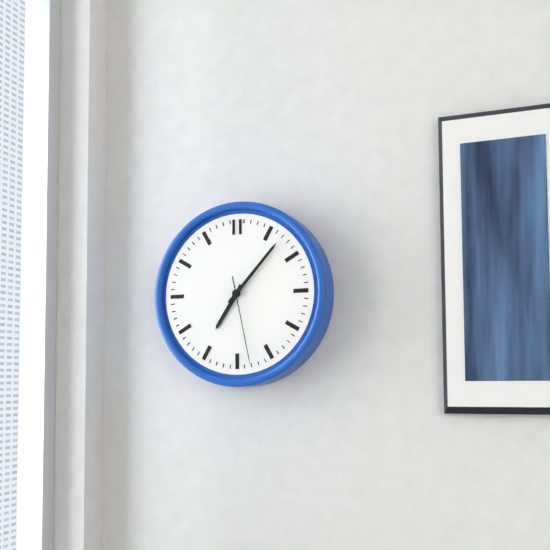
7,07,28
